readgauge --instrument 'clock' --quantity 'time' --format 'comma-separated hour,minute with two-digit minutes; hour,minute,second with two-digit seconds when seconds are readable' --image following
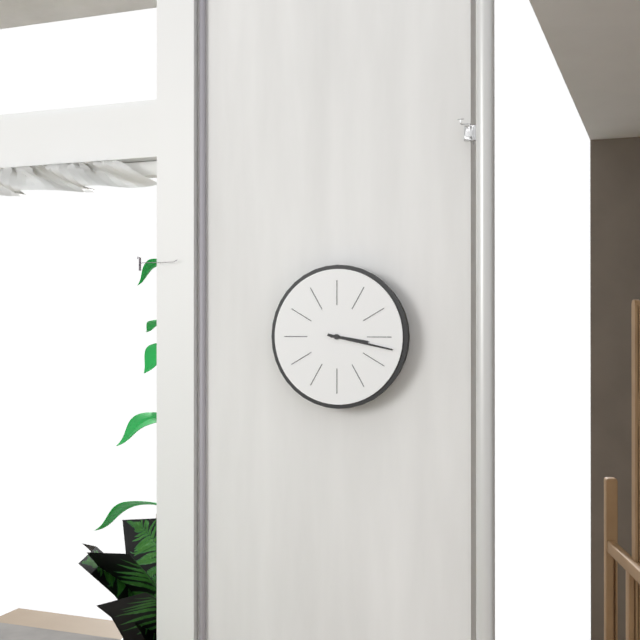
3,17
